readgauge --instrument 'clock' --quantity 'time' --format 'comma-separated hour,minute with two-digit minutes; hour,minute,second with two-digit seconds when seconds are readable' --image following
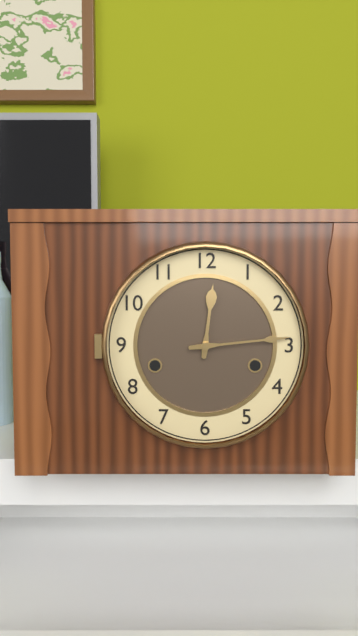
12,14
